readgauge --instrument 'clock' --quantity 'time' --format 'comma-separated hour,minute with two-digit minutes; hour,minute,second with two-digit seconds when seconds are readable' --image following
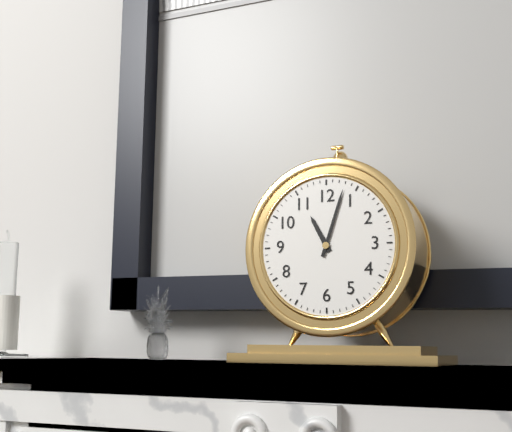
11,03
